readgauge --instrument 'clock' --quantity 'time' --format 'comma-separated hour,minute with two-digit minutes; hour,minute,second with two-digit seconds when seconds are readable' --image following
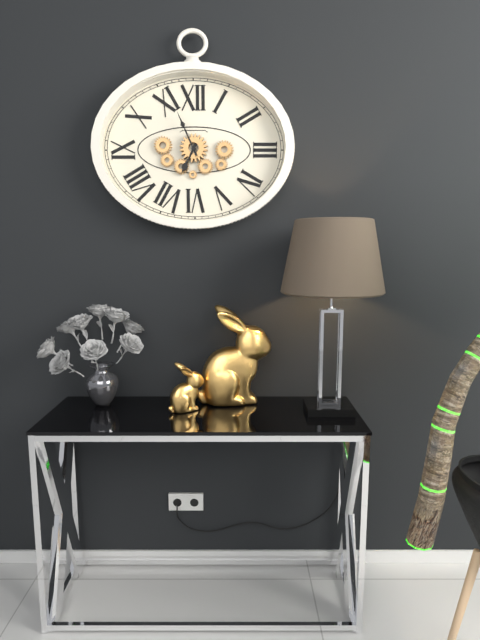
6,56
